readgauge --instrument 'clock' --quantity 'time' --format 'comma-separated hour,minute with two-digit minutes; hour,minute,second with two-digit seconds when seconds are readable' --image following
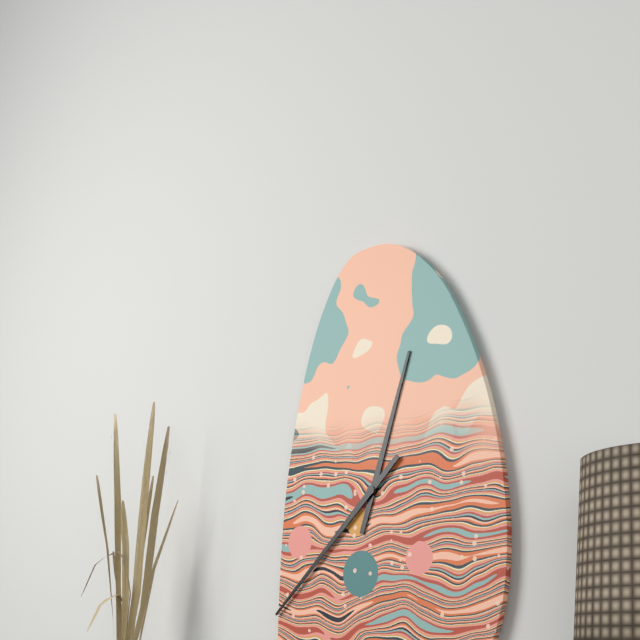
12,38
